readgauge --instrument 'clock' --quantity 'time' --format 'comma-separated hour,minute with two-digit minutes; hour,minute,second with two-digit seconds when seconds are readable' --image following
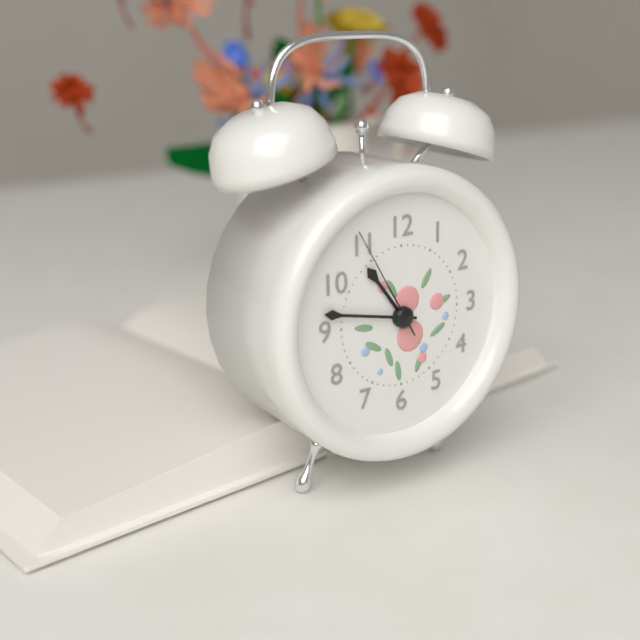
10,47,55
